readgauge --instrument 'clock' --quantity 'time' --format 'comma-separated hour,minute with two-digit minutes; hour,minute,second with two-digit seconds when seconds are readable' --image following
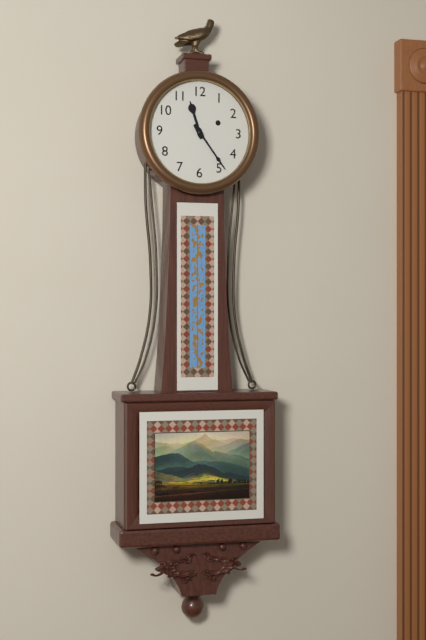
11,24
